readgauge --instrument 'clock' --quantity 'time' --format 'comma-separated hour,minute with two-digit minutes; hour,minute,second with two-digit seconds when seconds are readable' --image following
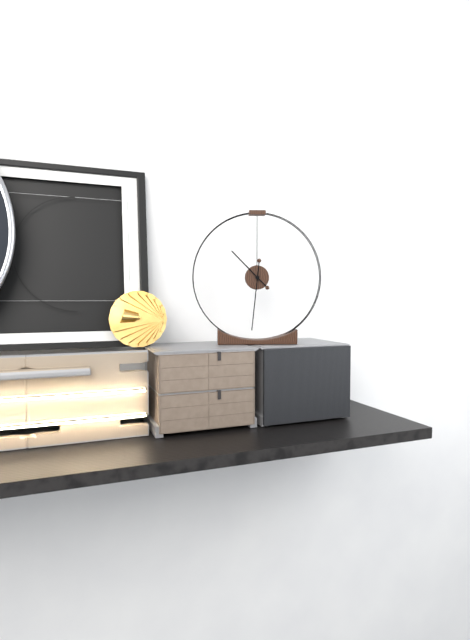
10,31
